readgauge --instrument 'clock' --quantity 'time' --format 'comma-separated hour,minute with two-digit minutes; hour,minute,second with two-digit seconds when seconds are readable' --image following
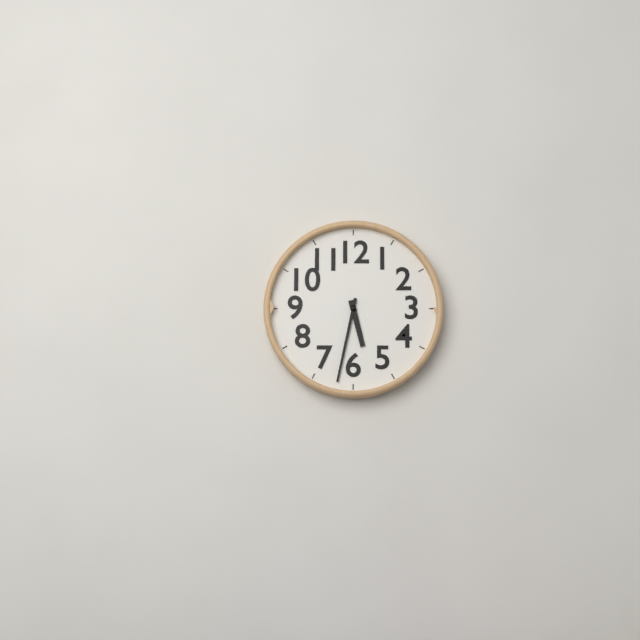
5,32
